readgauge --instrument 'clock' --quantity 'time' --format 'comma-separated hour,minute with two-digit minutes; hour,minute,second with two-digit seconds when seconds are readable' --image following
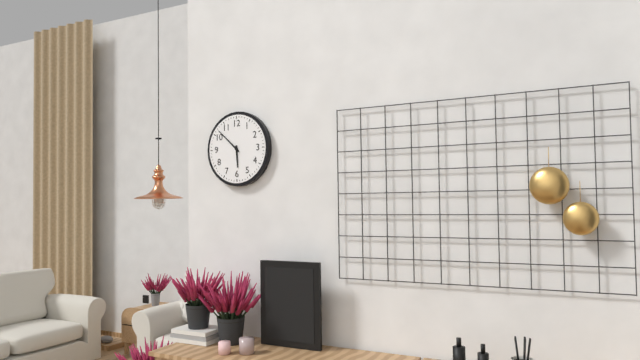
5,52
